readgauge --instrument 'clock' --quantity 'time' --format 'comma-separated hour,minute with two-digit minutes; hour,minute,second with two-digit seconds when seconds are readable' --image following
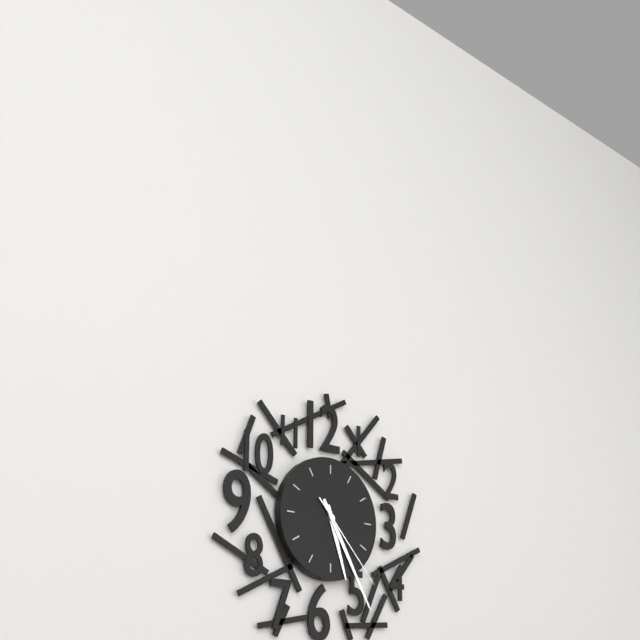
5,25,23
